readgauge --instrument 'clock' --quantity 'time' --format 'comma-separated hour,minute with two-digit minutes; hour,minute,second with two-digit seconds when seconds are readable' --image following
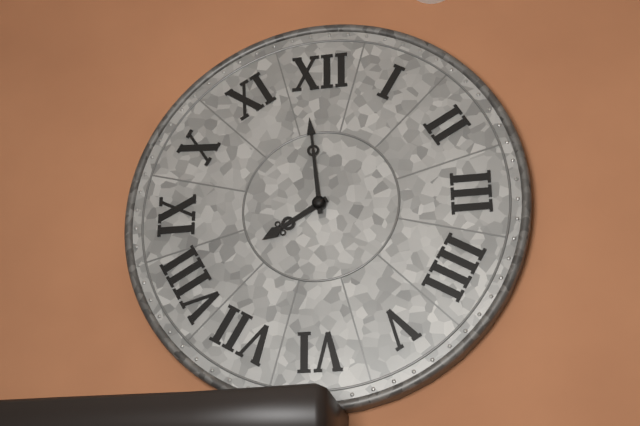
7,59
